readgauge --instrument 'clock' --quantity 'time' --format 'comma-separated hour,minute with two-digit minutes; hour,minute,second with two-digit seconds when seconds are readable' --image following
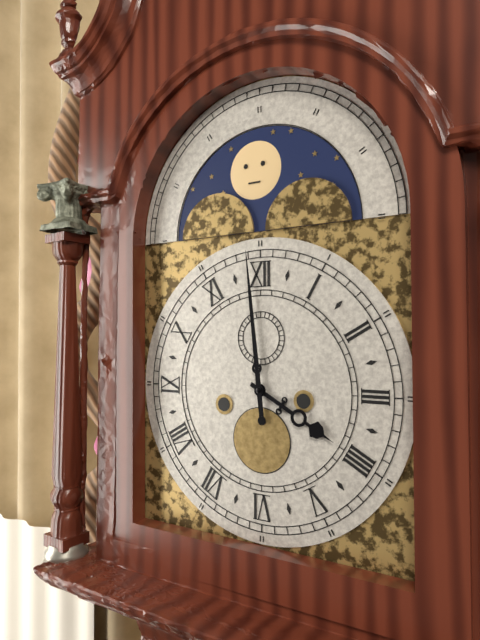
3,59
